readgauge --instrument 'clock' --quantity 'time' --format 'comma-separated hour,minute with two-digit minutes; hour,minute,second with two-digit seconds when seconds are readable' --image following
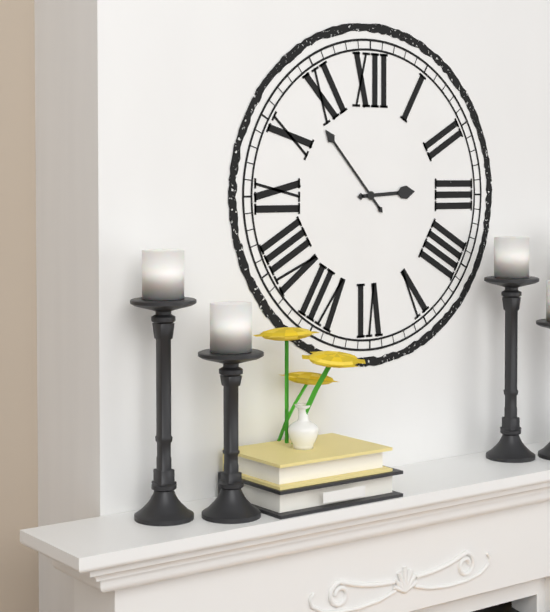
2,53
